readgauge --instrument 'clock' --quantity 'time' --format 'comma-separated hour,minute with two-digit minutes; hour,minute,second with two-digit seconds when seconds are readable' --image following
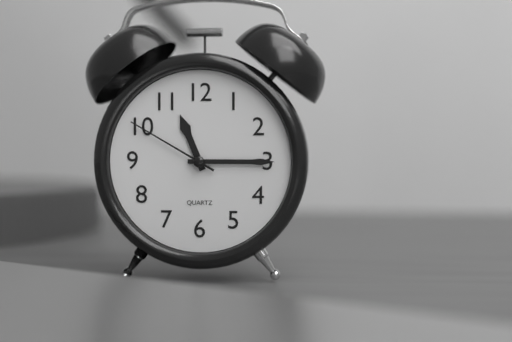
11,15,50
